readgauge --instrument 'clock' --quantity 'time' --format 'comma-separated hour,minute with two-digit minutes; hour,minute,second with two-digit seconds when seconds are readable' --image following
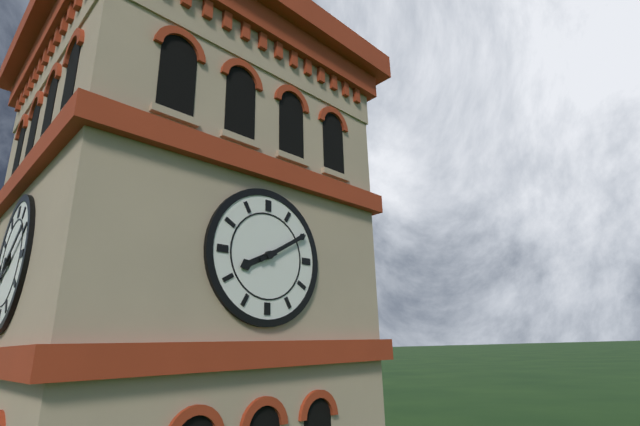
8,10
